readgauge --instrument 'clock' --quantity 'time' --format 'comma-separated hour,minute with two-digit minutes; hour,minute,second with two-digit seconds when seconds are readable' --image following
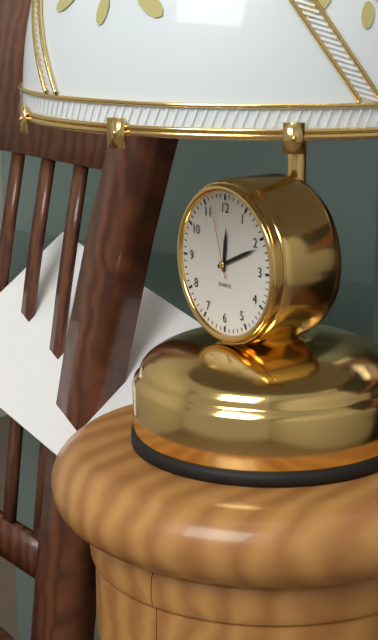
12,11,57
